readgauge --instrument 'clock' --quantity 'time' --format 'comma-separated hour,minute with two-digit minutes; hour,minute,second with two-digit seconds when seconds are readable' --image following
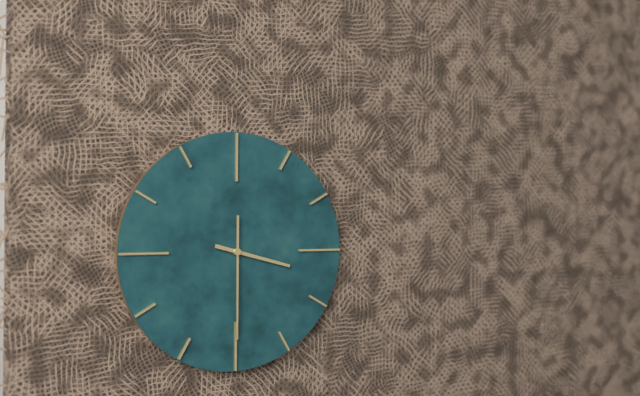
3,30
